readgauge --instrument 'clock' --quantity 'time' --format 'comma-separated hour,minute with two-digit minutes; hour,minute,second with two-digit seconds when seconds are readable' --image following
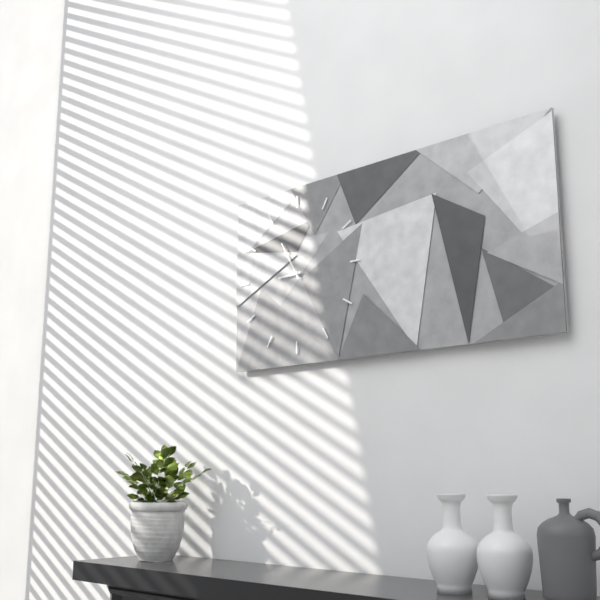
8,55
